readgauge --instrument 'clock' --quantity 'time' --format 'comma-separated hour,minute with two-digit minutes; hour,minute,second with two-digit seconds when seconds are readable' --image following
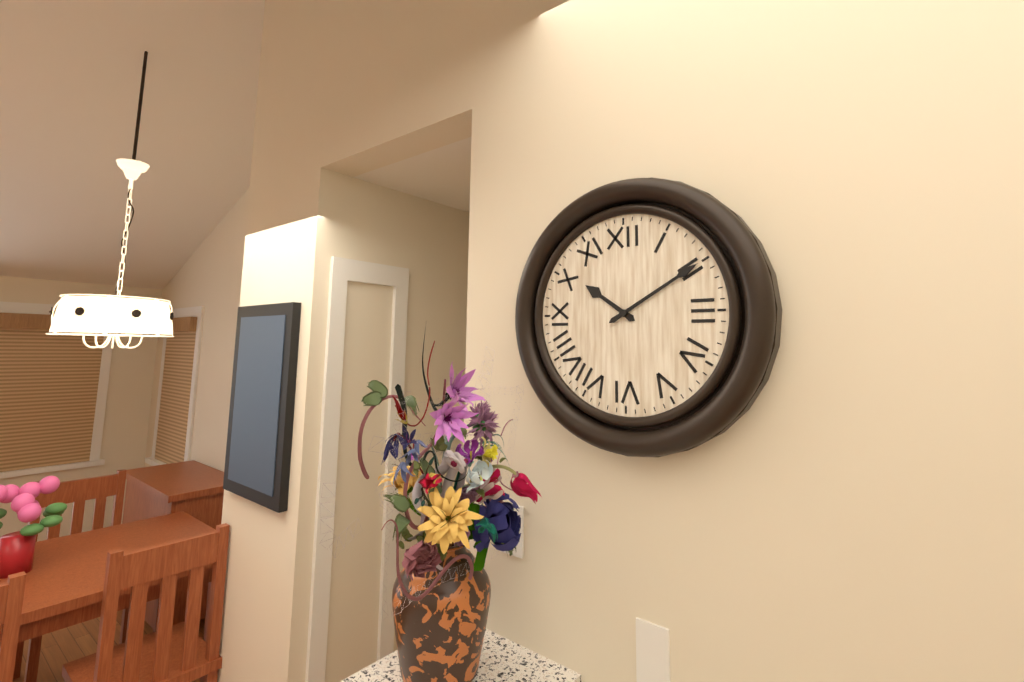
10,10
